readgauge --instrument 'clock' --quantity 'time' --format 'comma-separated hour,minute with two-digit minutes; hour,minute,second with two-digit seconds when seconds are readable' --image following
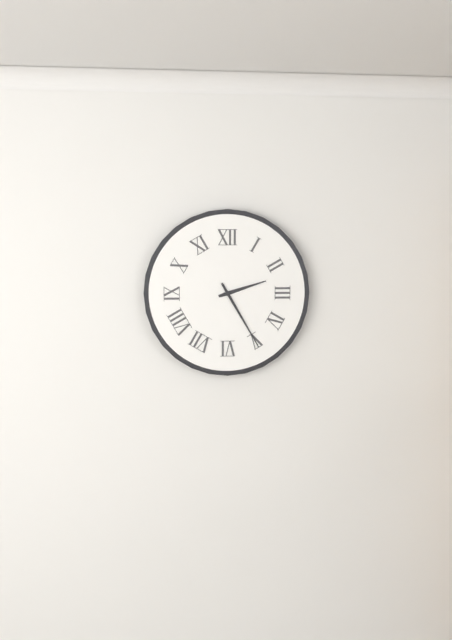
2,25
